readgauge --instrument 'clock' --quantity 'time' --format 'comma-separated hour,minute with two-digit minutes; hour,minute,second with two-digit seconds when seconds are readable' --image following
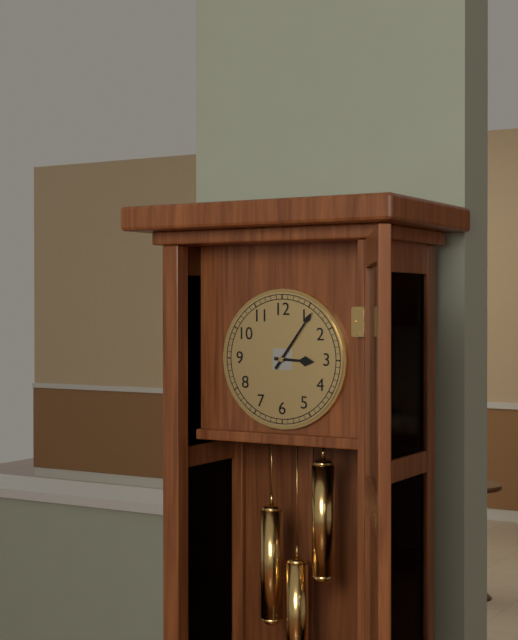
3,06
